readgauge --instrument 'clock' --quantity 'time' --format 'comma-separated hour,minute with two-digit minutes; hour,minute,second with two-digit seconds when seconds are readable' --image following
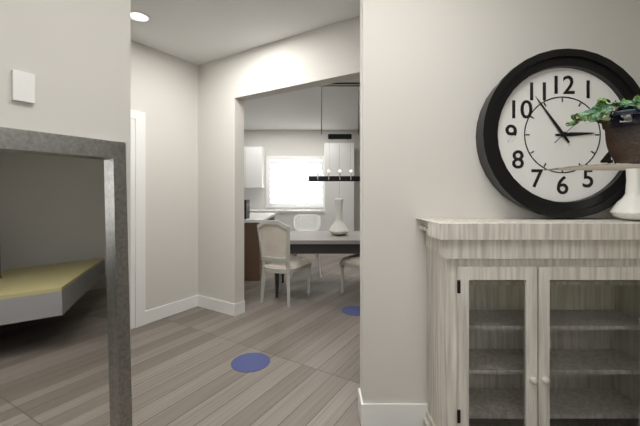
2,54
